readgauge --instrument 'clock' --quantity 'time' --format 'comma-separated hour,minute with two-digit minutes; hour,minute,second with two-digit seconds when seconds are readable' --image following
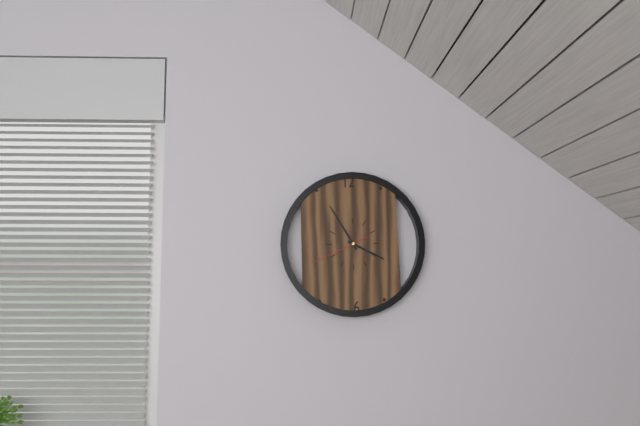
3,55,41
